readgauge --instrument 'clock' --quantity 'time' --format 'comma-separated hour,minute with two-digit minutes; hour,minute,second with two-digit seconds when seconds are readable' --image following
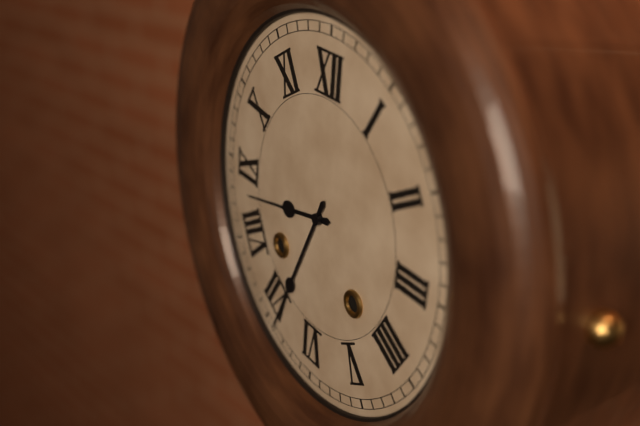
8,34
